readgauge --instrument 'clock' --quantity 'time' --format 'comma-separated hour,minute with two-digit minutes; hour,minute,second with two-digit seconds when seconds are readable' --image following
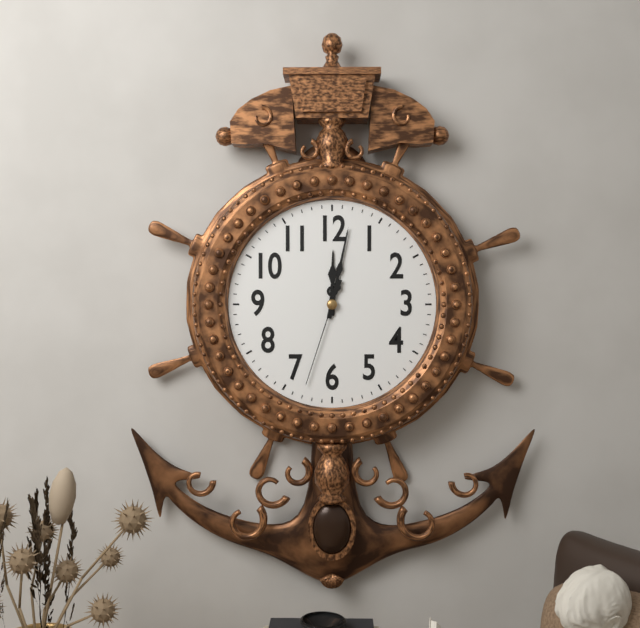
12,02,33
